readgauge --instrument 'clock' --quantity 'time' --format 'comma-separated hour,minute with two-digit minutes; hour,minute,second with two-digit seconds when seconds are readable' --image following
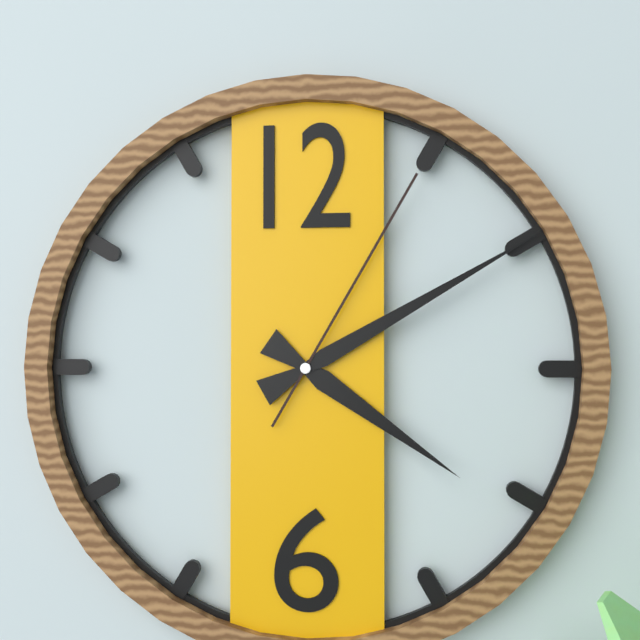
4,10,05
